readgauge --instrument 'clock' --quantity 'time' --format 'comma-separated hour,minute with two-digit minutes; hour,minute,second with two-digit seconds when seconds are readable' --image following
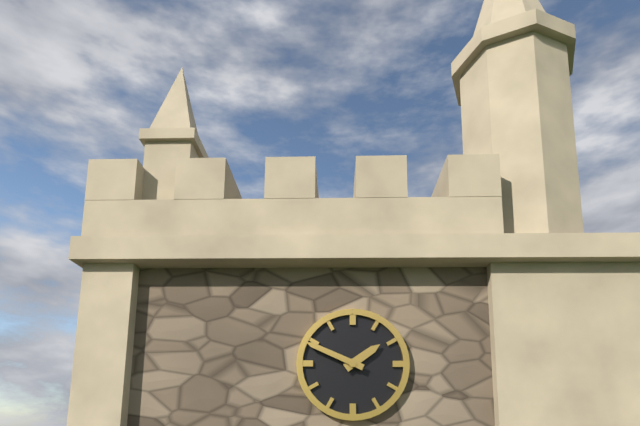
1,49
